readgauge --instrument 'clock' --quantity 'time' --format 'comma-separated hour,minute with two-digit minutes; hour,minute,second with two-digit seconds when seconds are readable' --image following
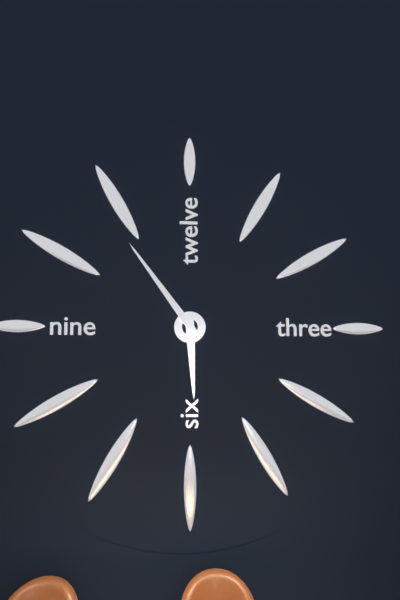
5,54
